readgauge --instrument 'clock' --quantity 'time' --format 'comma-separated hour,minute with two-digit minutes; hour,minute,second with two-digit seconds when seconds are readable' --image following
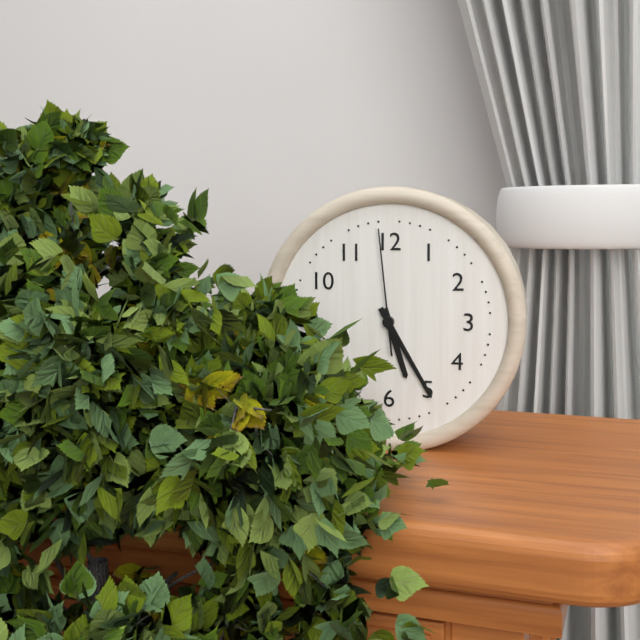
5,25,59
